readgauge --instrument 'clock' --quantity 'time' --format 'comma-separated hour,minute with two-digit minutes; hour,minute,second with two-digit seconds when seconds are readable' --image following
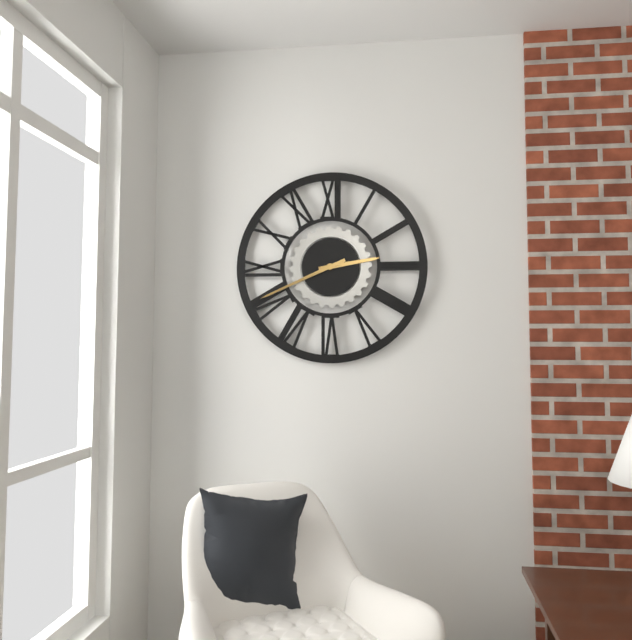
2,41
